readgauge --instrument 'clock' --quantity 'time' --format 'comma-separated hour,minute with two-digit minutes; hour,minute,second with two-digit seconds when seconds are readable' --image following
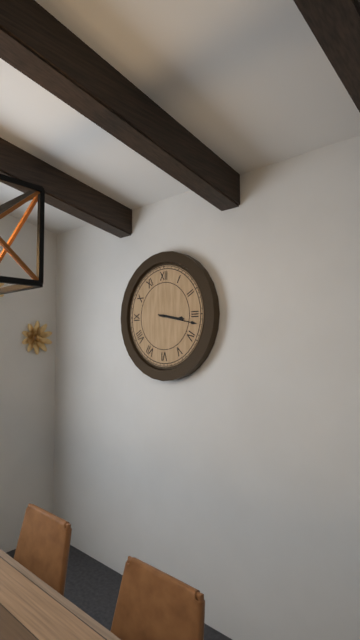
3,17
